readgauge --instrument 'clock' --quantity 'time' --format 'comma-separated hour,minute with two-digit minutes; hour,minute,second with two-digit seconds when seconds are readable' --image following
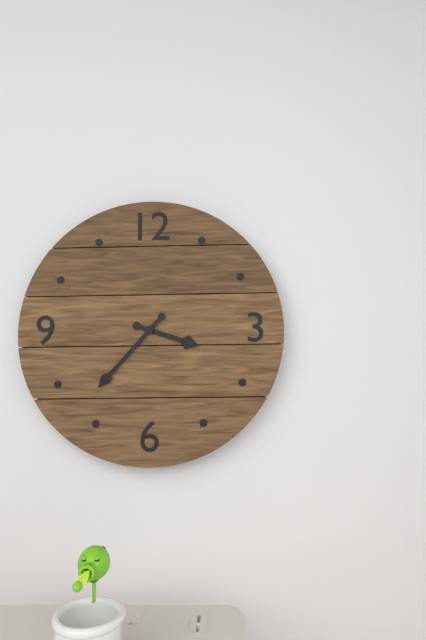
3,37
